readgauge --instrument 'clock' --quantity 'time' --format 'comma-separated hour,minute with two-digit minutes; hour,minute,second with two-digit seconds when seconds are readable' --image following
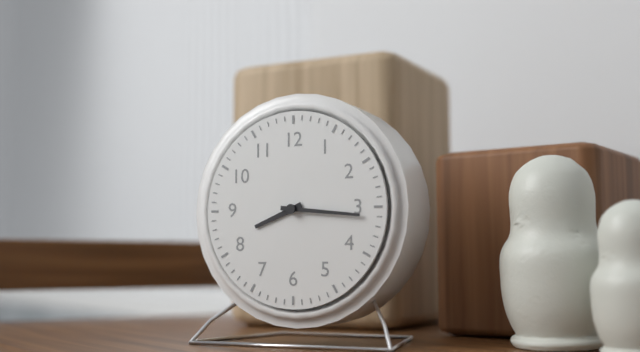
8,16
